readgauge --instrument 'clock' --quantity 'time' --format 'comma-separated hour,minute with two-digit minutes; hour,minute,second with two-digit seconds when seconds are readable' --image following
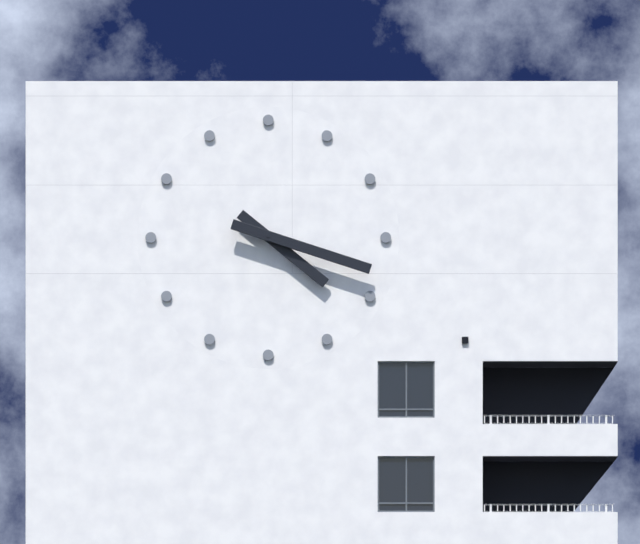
4,18
